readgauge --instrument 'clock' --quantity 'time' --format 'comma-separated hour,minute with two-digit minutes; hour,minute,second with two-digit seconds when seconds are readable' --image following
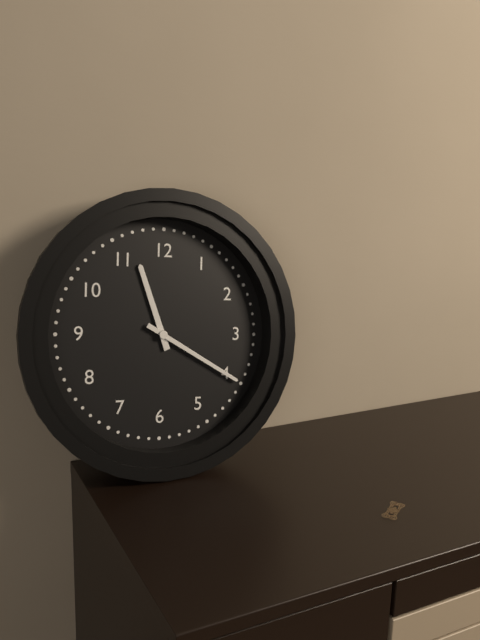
11,20
